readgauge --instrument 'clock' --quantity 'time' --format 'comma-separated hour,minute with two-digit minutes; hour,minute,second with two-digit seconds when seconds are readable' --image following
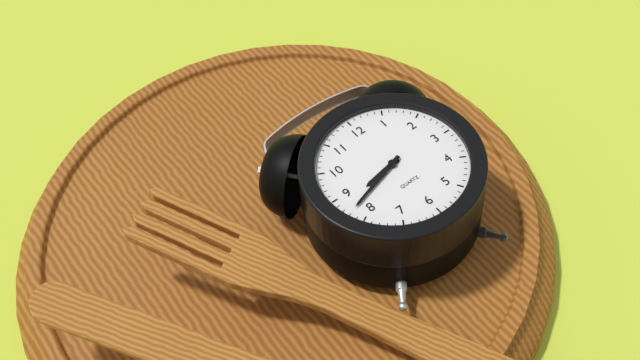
8,42
